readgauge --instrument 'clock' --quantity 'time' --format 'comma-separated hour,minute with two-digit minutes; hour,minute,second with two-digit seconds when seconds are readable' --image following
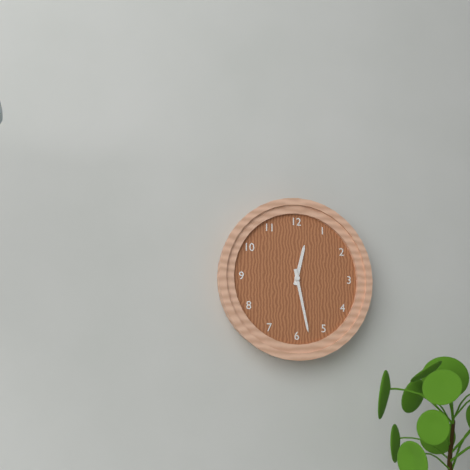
12,28
